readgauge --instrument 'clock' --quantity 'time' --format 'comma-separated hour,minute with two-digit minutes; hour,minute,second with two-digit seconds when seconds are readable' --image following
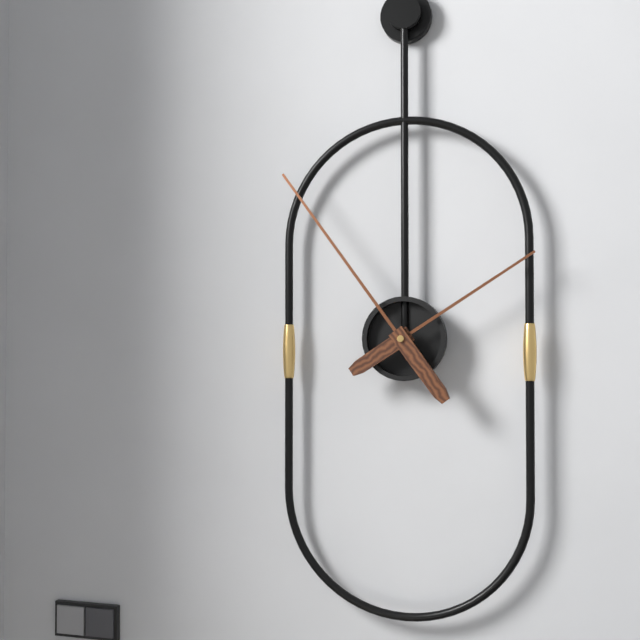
1,54
